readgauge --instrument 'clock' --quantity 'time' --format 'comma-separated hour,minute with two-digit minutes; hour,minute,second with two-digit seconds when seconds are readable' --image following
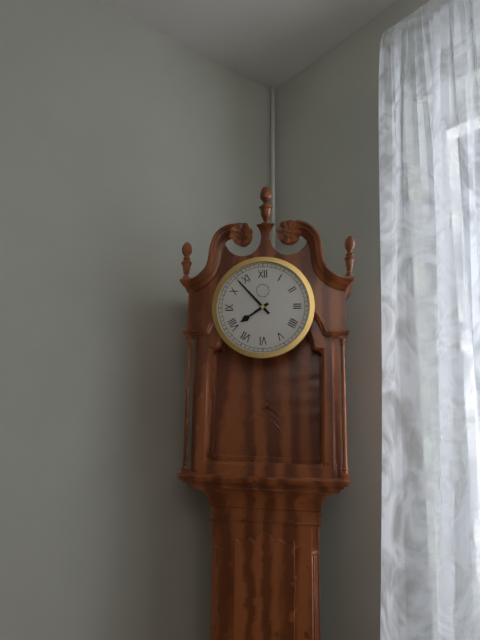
7,53
